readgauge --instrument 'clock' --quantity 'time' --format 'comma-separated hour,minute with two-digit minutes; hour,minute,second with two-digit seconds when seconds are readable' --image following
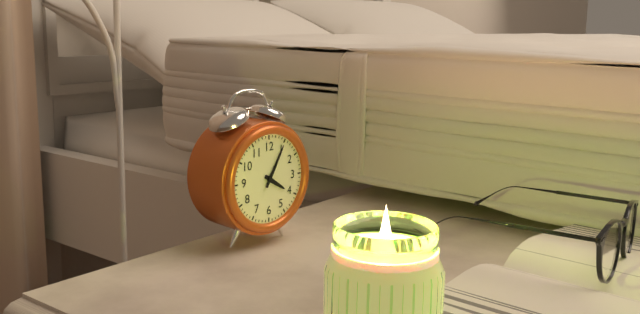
4,05
